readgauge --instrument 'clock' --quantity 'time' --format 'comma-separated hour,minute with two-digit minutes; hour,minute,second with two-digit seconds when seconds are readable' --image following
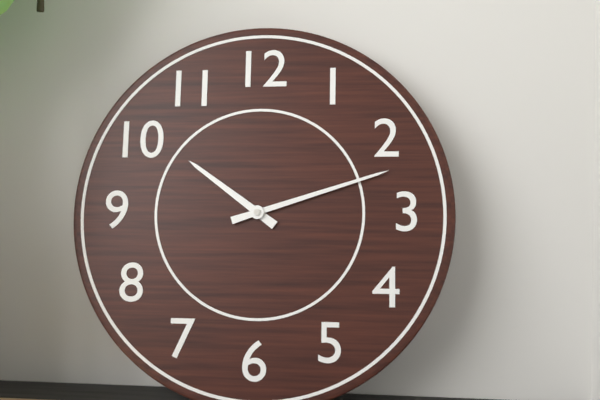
10,12
